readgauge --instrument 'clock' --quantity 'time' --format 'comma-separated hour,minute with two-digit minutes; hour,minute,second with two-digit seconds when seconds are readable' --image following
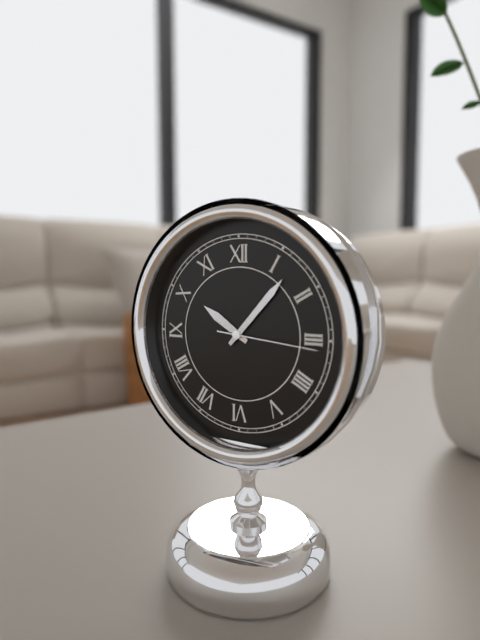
10,07,16
